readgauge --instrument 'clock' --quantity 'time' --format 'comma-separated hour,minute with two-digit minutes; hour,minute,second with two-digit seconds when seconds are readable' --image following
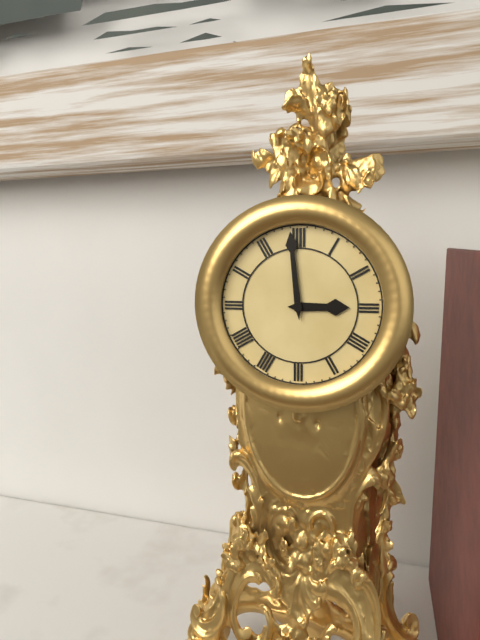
2,59
